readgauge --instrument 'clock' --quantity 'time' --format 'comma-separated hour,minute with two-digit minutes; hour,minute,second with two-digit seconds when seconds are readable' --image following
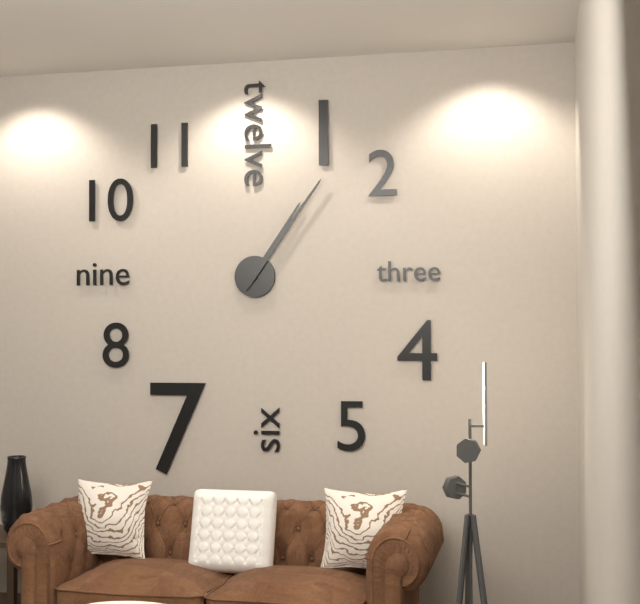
1,06
